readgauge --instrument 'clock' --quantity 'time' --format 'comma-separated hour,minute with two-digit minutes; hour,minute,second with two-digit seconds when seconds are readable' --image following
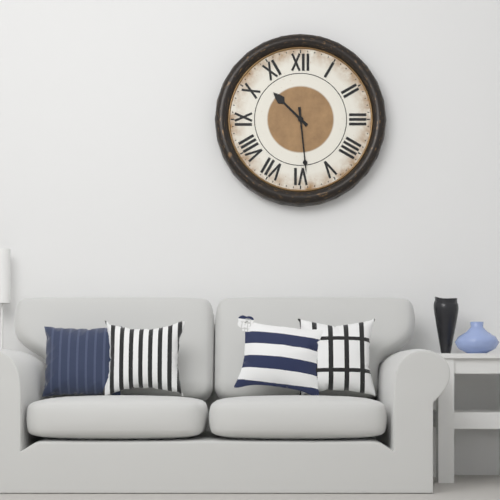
10,29
